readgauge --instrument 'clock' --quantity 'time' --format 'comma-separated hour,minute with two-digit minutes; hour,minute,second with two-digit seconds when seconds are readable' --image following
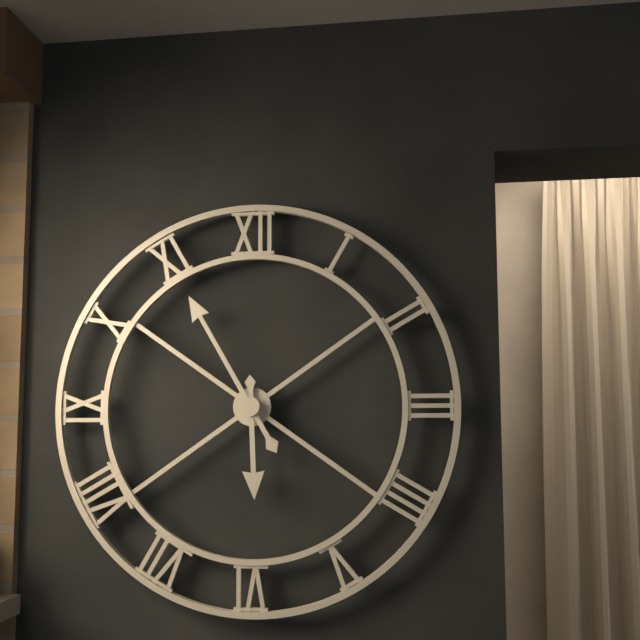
5,55
